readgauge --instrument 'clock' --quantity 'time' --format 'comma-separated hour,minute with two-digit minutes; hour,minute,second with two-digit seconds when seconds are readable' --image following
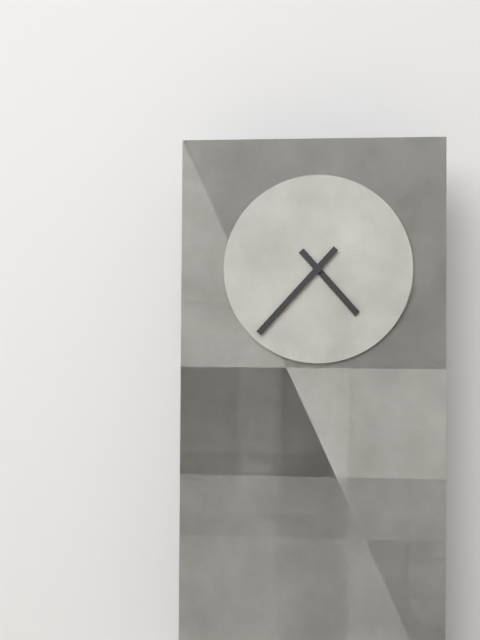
4,37
